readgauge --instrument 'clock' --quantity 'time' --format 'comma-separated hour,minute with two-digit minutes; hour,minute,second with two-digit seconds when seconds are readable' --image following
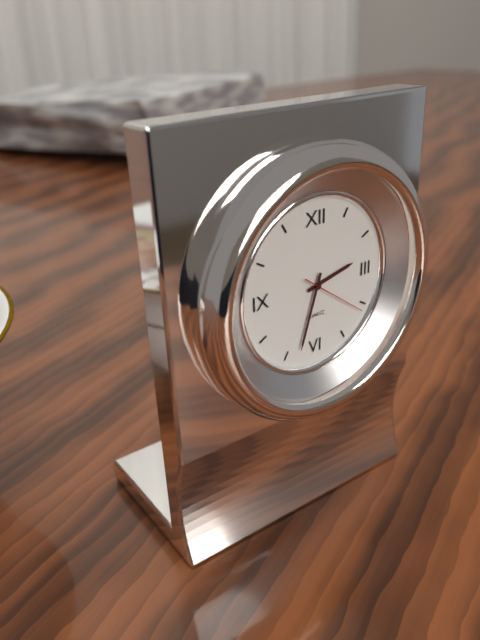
2,33,21
